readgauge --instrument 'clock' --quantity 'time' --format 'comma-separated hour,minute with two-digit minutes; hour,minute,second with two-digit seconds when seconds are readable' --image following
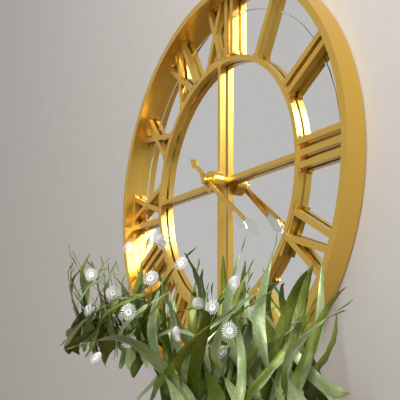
4,21
